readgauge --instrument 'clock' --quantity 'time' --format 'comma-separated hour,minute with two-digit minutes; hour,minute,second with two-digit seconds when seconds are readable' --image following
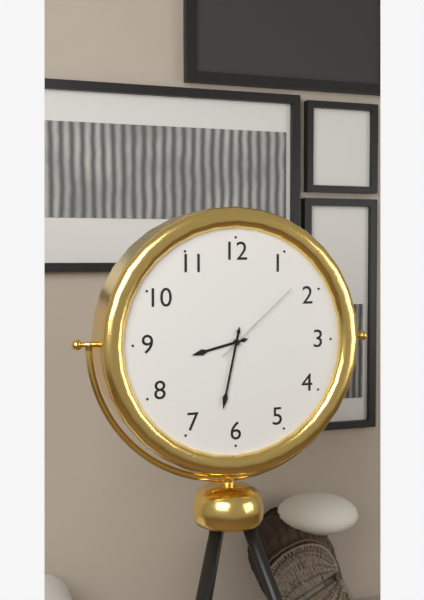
8,32,08
